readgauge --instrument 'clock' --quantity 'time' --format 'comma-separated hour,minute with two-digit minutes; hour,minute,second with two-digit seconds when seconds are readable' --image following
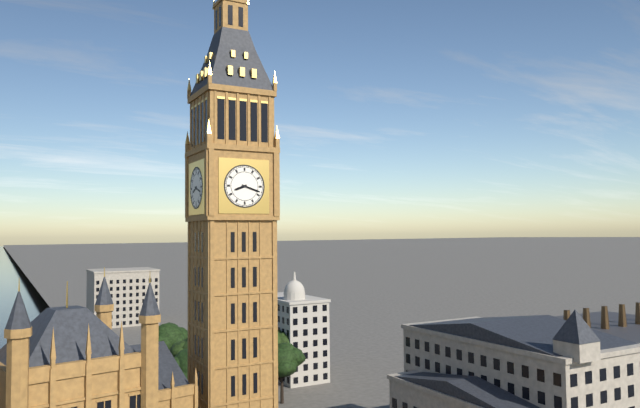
8,18
